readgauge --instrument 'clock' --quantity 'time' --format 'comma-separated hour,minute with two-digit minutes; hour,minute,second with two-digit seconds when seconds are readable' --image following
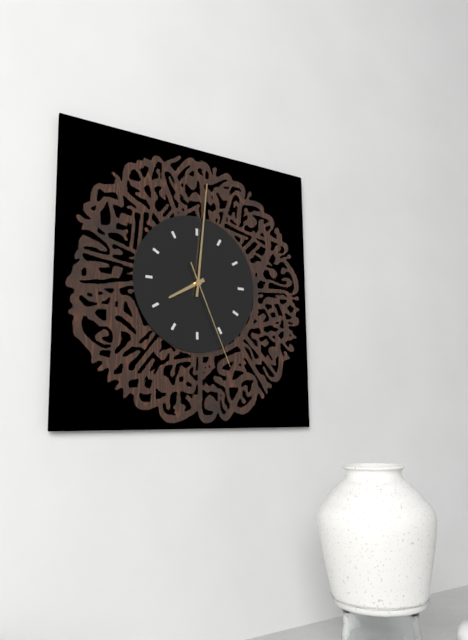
8,01,26
